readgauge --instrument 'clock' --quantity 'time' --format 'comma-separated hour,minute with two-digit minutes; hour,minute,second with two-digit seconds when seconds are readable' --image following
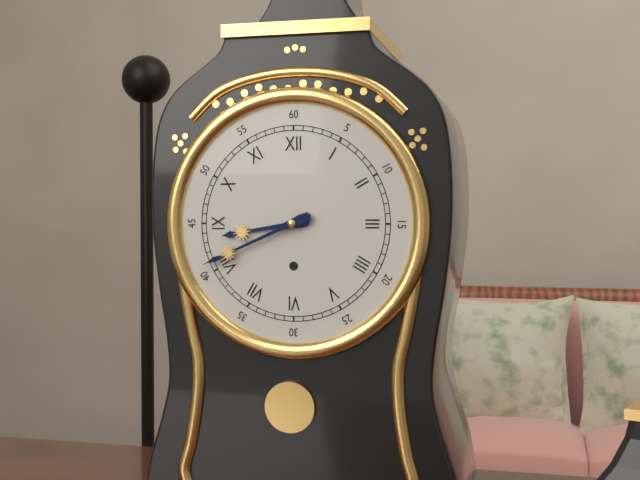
8,41
